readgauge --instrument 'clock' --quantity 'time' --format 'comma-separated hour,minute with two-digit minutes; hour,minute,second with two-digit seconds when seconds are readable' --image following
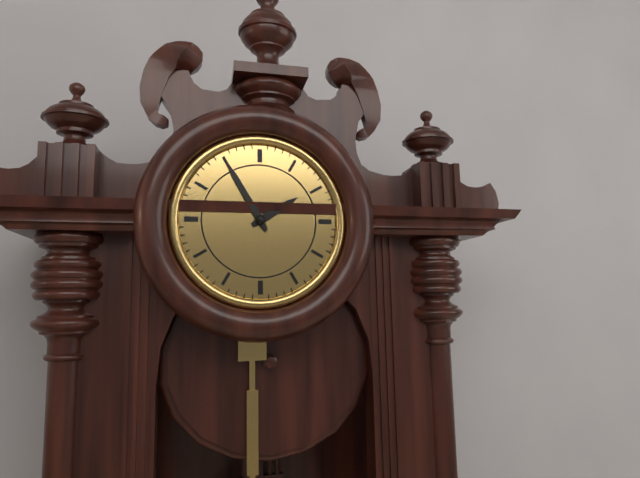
1,55
